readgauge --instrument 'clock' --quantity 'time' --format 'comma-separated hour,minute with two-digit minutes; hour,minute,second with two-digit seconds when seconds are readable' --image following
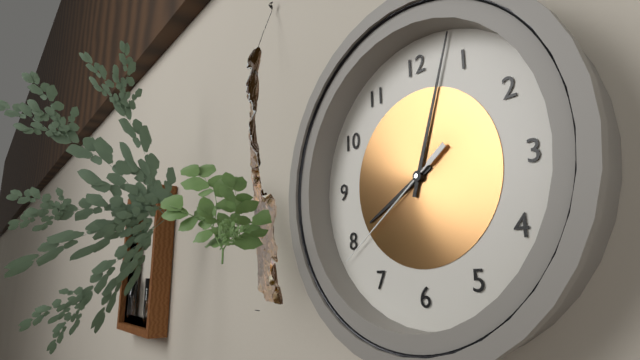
8,03,39
